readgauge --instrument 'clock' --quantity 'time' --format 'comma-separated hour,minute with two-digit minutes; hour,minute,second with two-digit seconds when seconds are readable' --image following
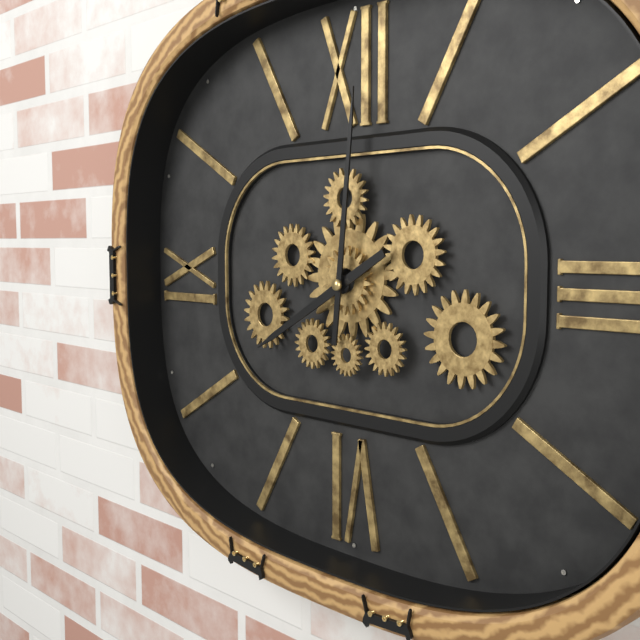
8,01
